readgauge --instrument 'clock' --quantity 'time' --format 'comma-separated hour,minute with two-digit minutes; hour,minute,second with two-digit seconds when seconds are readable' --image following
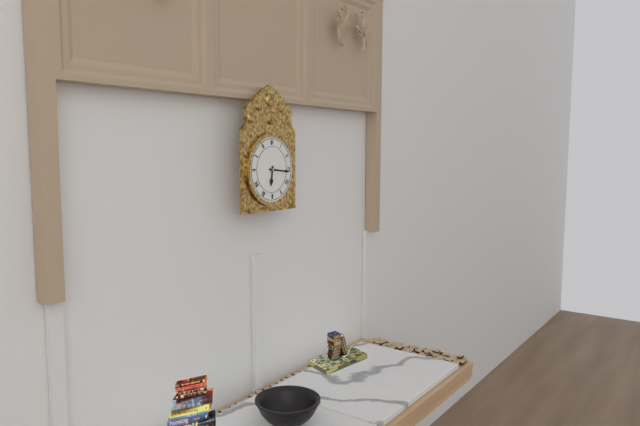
6,16
